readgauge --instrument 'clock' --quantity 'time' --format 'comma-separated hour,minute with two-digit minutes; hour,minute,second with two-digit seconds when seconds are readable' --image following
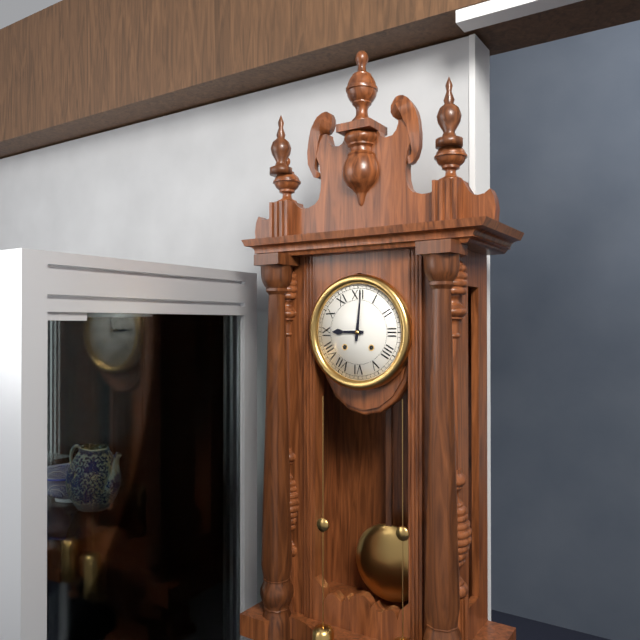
9,01
